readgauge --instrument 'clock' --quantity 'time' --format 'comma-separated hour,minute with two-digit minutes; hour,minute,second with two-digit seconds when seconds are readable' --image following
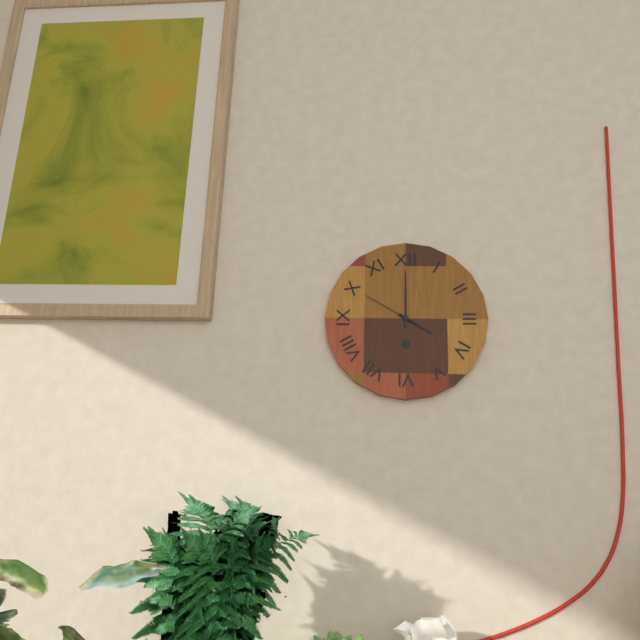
4,00,50
